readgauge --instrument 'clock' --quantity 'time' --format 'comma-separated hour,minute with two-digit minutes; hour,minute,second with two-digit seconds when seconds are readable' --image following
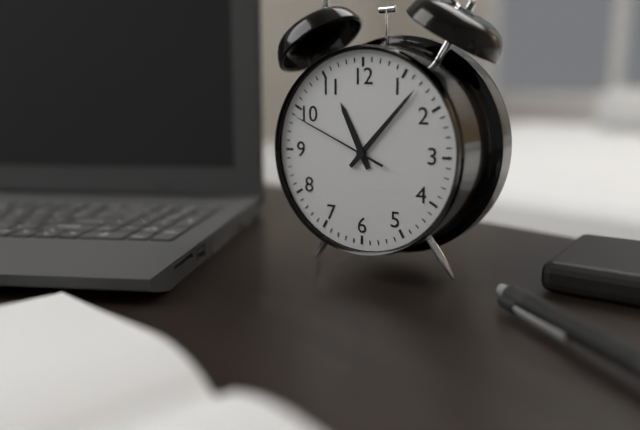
11,07,49
